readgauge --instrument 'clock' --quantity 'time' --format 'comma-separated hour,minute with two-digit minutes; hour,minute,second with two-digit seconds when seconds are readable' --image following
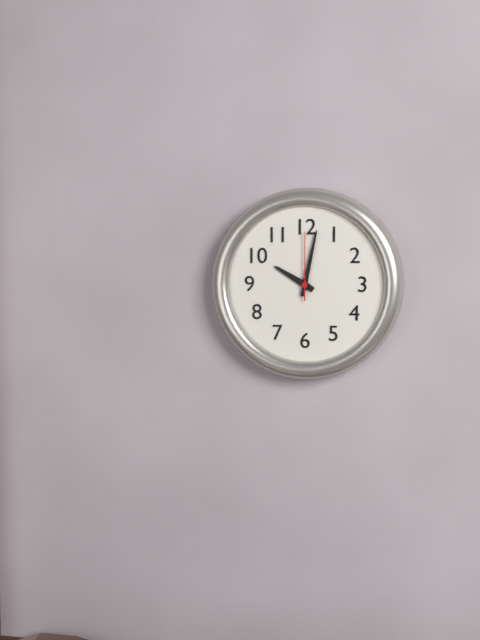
10,02,00
